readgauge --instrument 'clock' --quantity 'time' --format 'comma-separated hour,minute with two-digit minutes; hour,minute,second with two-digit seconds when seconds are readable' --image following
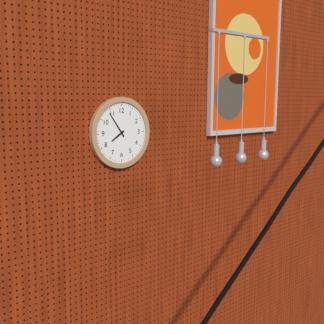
7,54
